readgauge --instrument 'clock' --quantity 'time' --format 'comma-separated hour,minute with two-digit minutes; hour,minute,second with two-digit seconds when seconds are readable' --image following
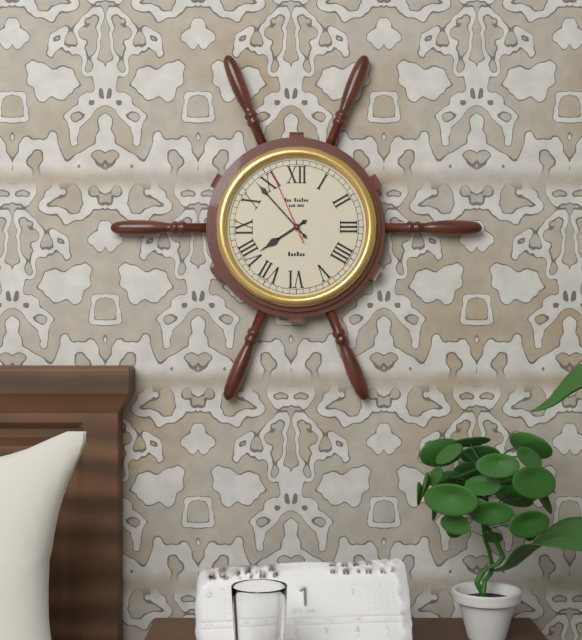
7,53,56
